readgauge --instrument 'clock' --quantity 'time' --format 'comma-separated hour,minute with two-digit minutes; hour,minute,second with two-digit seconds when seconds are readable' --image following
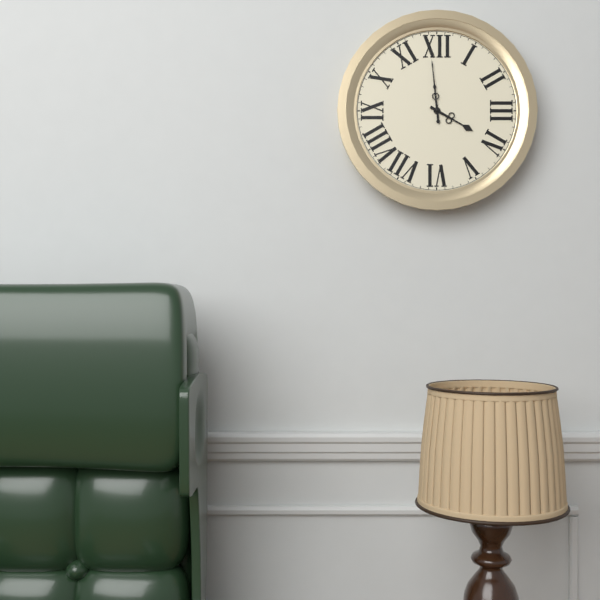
3,59
